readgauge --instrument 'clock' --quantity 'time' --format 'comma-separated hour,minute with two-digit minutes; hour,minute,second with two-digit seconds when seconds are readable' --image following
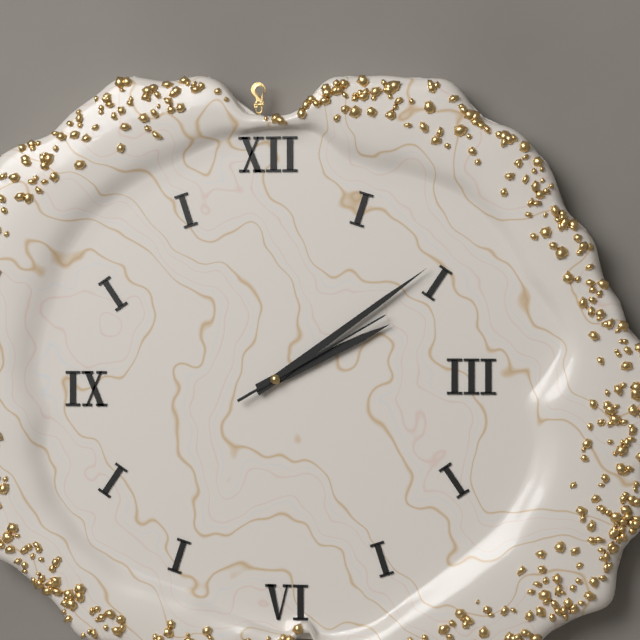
2,09,10
